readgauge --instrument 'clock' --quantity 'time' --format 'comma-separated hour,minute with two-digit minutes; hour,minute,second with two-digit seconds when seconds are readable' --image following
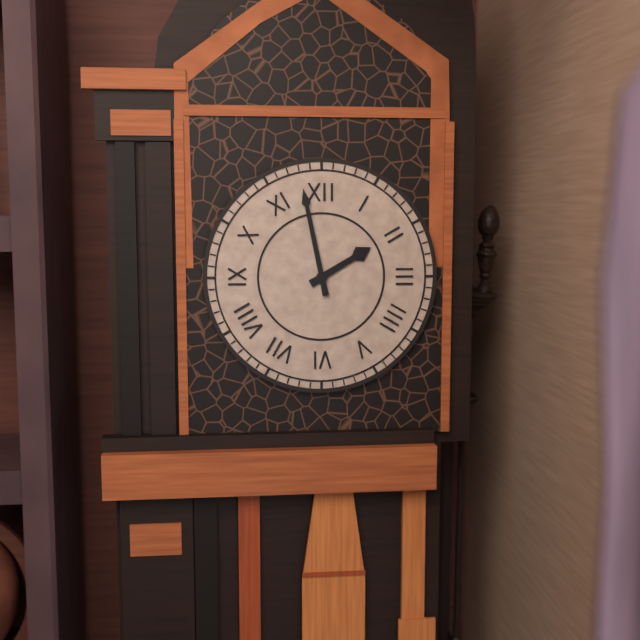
1,58
